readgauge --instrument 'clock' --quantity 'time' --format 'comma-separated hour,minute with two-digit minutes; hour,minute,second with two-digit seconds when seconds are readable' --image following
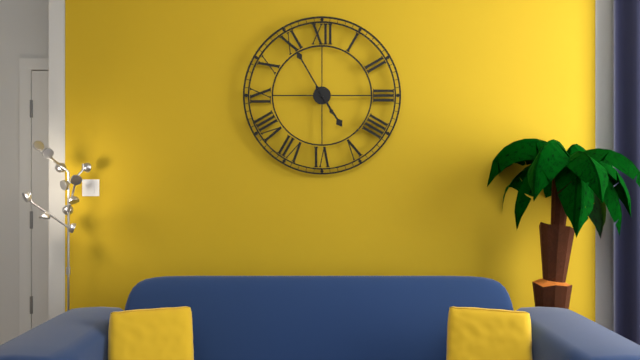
4,55
